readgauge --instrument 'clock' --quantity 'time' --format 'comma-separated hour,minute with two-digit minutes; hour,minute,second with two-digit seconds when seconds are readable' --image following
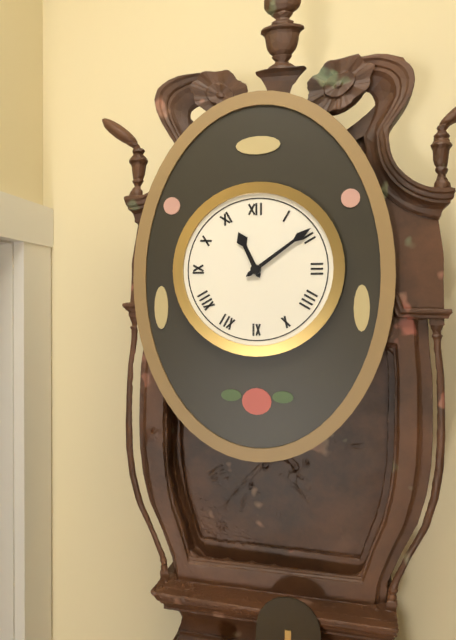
11,09
